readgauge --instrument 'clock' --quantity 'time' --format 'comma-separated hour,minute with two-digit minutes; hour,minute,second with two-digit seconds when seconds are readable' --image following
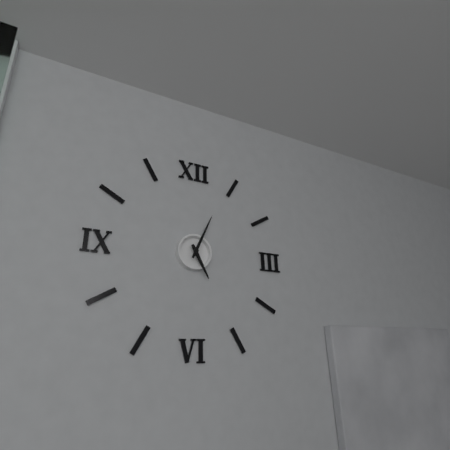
5,04
